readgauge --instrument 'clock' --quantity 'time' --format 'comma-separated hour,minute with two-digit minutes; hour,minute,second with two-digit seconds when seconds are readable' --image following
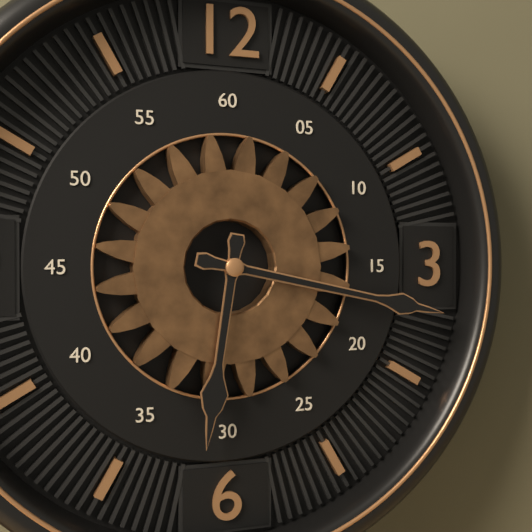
6,17
